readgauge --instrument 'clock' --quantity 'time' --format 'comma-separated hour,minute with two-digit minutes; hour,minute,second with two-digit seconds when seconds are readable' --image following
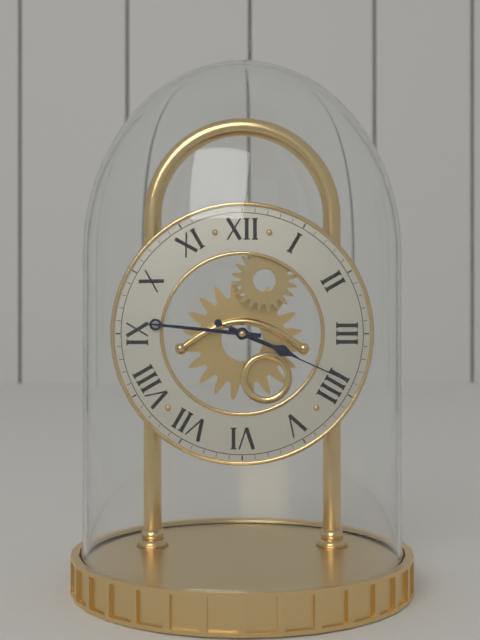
3,46,19
